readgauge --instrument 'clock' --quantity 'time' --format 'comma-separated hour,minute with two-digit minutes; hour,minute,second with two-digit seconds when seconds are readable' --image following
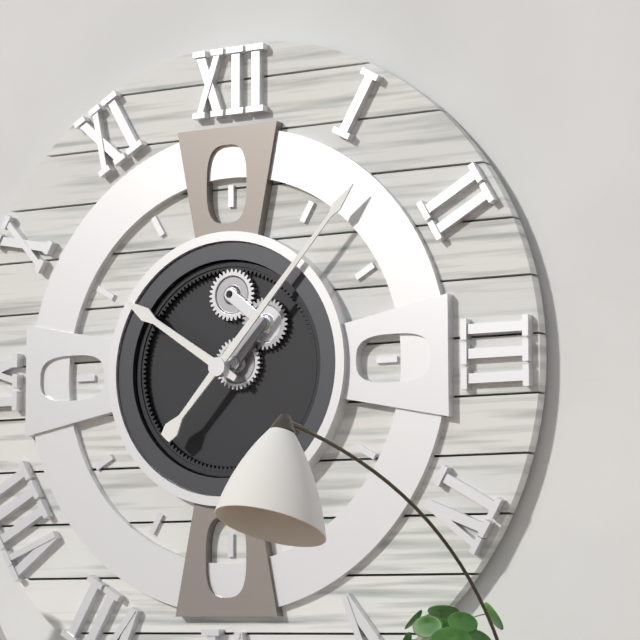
10,07
